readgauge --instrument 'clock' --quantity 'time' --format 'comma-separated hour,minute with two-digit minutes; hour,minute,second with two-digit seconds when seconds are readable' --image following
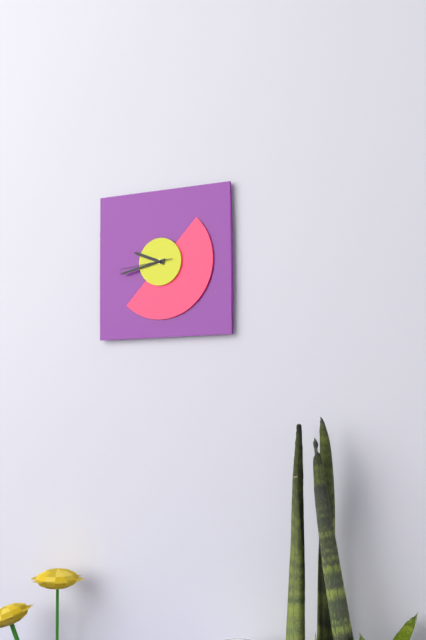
9,43,44
